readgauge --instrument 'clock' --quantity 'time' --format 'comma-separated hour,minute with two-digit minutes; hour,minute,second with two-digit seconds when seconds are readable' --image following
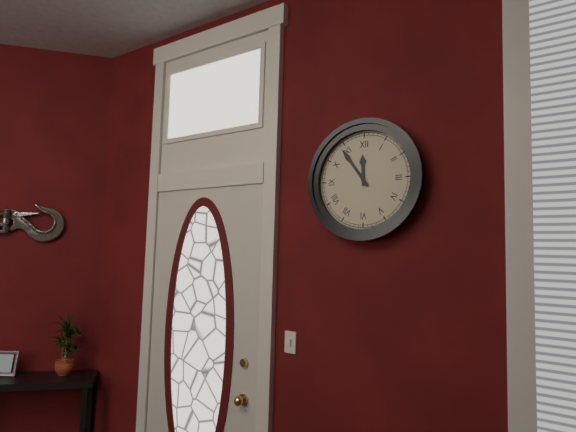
11,54
